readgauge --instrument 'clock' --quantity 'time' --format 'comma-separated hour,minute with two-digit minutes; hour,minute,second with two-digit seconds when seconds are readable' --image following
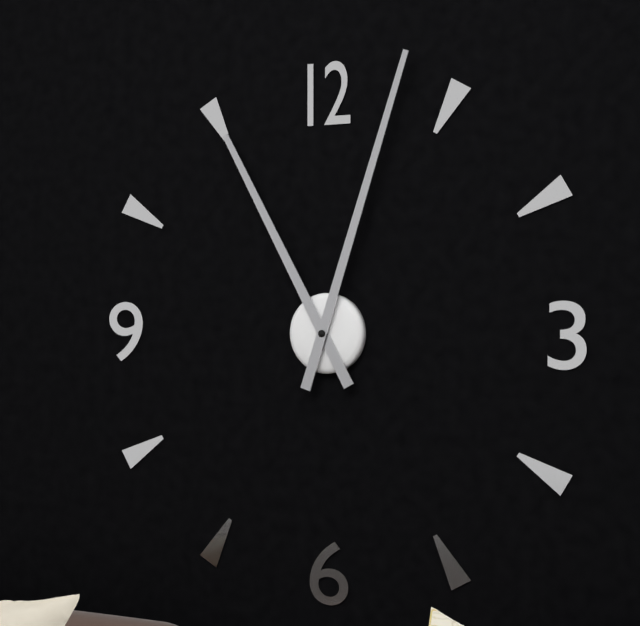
11,03
